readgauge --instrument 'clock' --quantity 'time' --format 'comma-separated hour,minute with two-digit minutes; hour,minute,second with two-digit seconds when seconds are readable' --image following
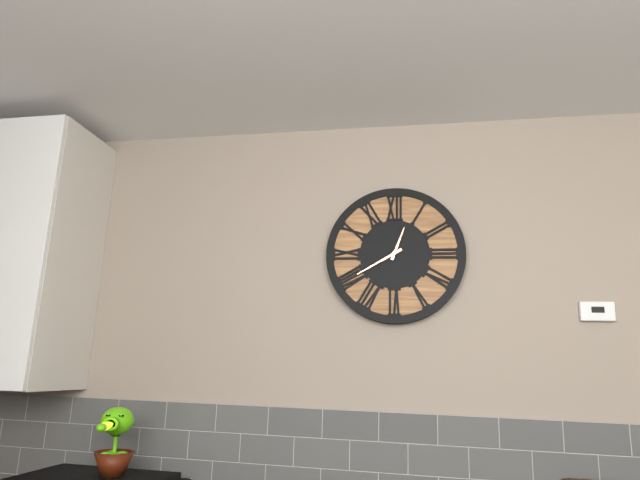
12,40
